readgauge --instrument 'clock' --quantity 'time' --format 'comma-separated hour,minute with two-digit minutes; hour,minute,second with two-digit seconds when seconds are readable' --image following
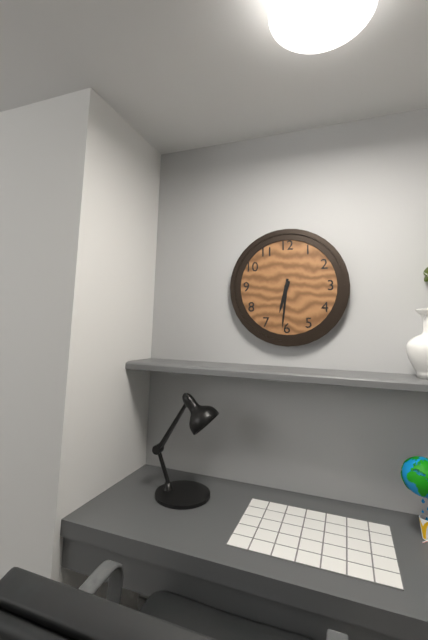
6,31
